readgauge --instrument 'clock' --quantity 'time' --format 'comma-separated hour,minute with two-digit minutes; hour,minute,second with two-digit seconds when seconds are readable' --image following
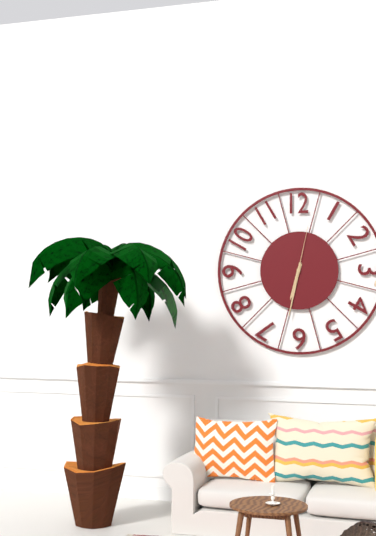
6,32,02
